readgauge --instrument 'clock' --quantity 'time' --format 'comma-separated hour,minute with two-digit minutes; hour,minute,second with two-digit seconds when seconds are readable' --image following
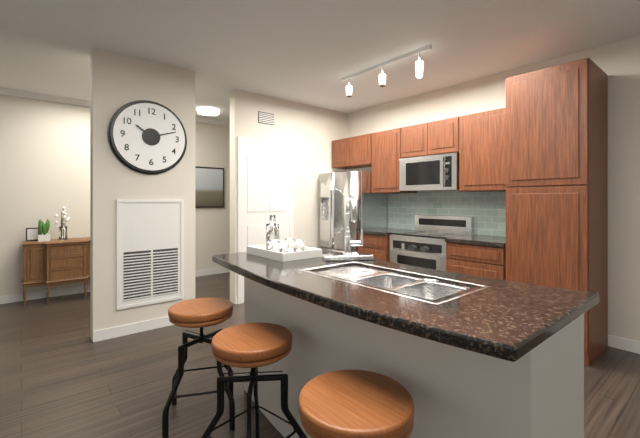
10,12
